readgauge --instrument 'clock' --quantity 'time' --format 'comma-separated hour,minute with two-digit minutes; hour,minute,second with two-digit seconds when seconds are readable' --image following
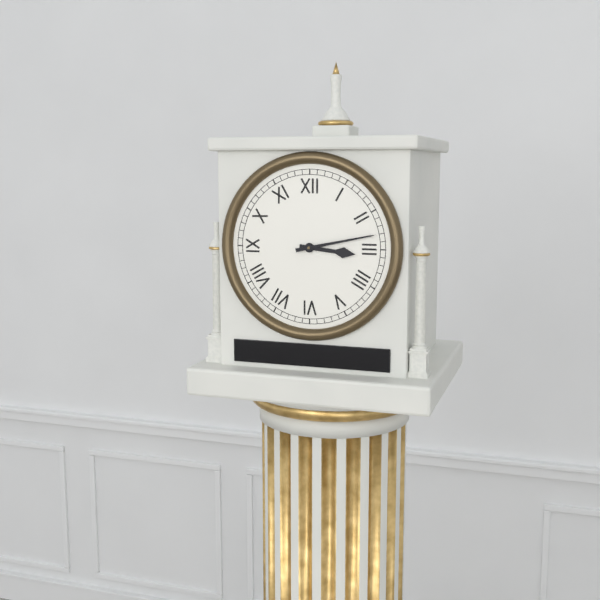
3,13
